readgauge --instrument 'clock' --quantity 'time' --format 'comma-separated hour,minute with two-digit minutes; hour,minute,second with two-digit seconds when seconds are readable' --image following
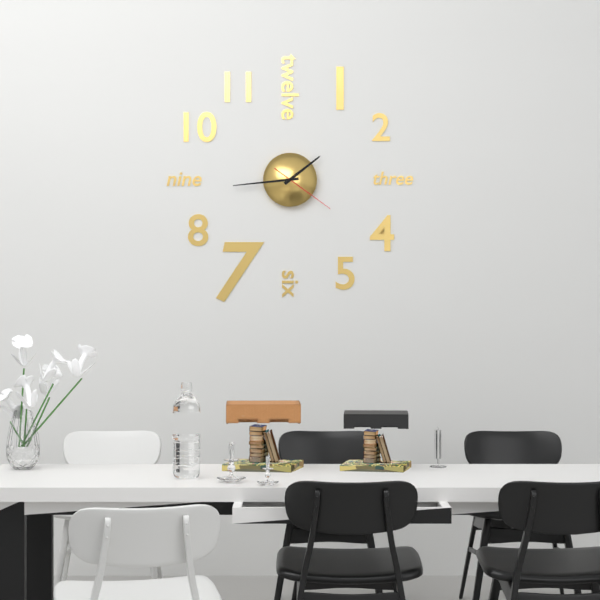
1,44,21
